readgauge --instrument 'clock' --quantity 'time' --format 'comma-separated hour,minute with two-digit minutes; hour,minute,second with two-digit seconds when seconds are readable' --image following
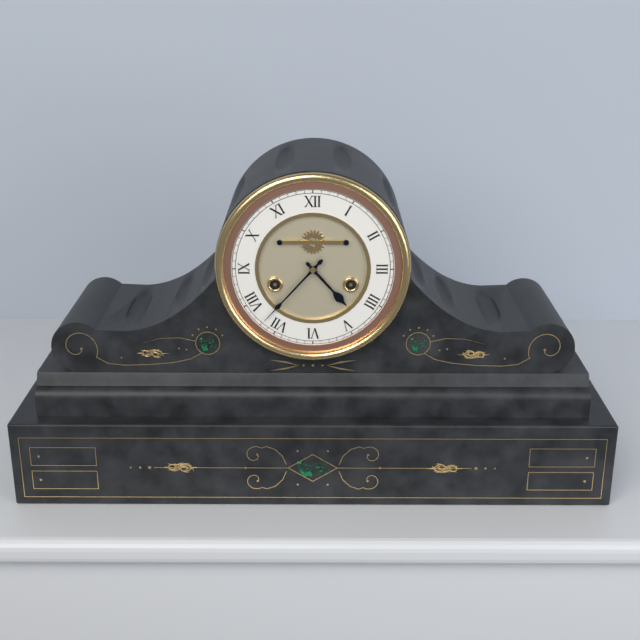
4,37
